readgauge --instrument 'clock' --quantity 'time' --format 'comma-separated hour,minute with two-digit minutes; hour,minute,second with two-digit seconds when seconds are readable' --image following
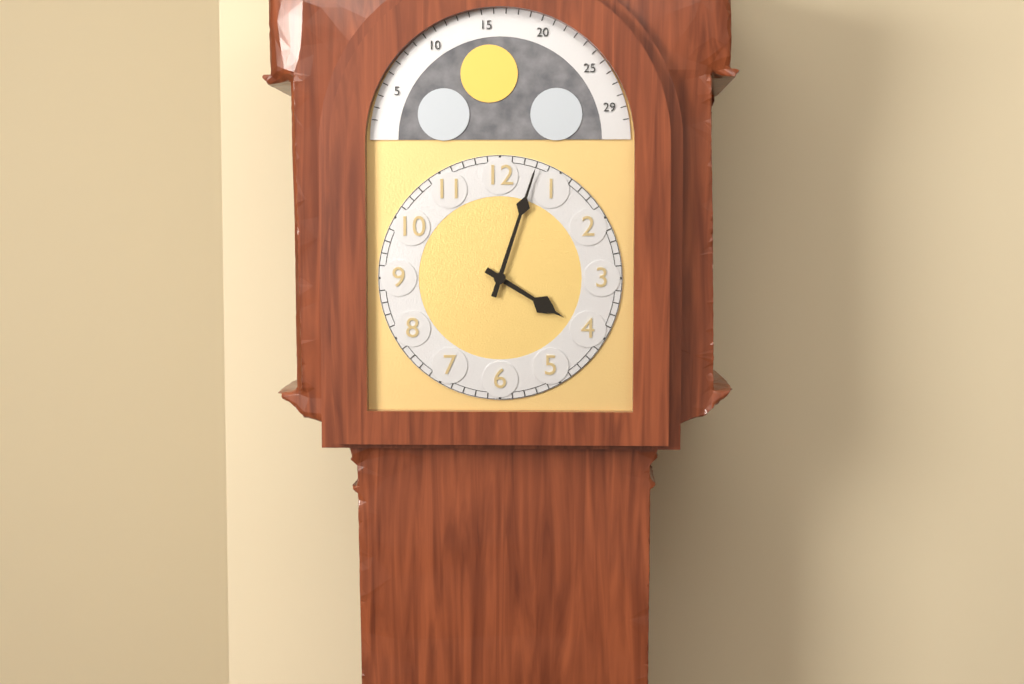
4,03
